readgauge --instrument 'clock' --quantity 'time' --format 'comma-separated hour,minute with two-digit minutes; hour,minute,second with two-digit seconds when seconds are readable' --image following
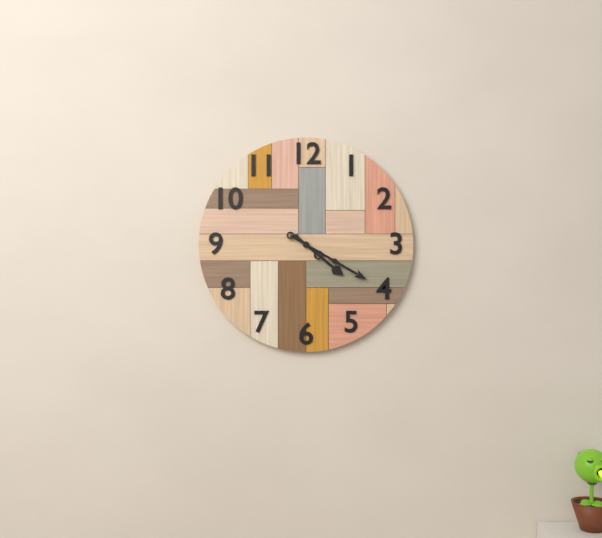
4,20
